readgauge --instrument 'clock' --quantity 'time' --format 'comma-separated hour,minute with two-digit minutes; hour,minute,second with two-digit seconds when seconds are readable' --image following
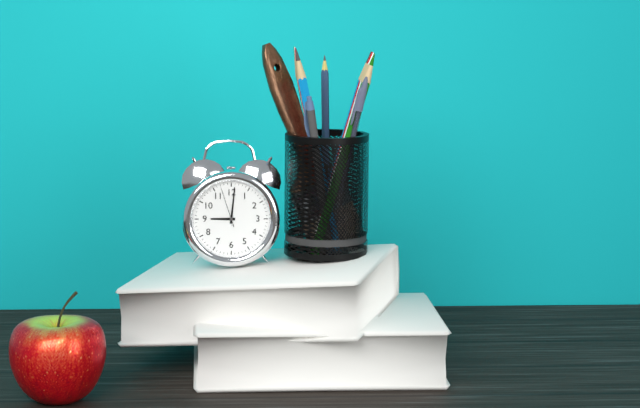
9,01
